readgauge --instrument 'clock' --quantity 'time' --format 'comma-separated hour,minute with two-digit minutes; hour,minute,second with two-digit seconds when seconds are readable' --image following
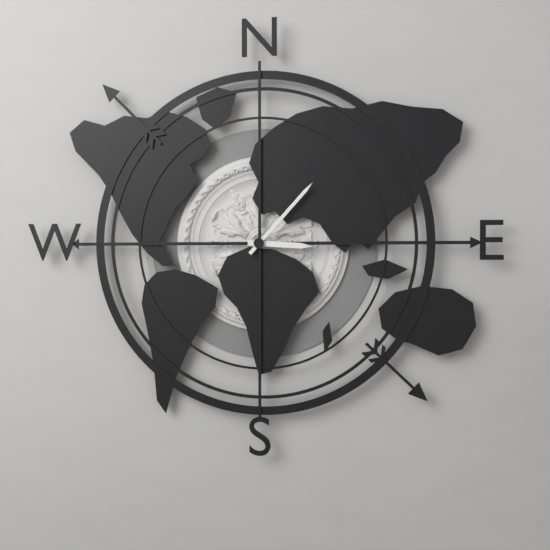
3,07
